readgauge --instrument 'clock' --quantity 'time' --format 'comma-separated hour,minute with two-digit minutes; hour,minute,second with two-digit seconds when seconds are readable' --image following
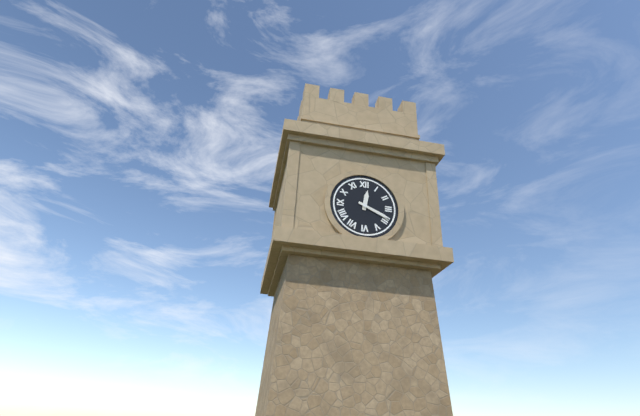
12,19
